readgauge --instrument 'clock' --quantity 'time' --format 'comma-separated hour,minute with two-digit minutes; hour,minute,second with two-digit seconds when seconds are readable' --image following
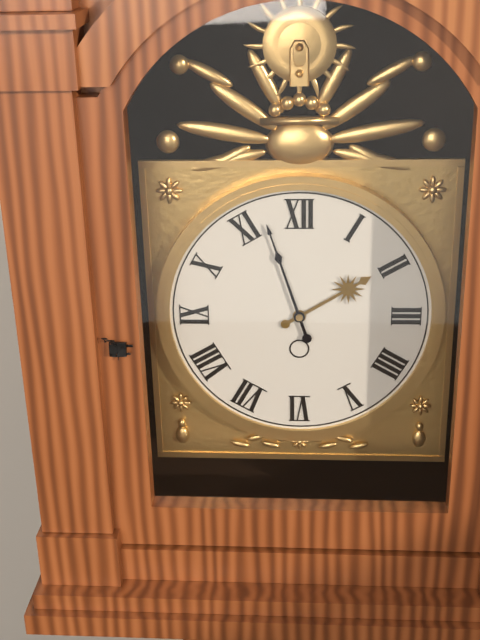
1,57
